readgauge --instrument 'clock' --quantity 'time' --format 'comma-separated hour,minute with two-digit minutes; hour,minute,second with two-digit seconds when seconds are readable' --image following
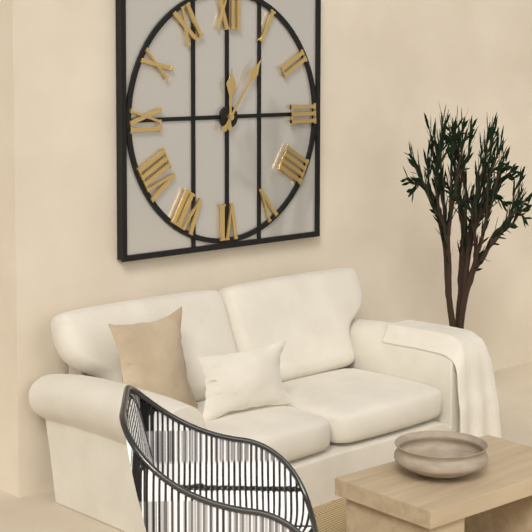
12,06
